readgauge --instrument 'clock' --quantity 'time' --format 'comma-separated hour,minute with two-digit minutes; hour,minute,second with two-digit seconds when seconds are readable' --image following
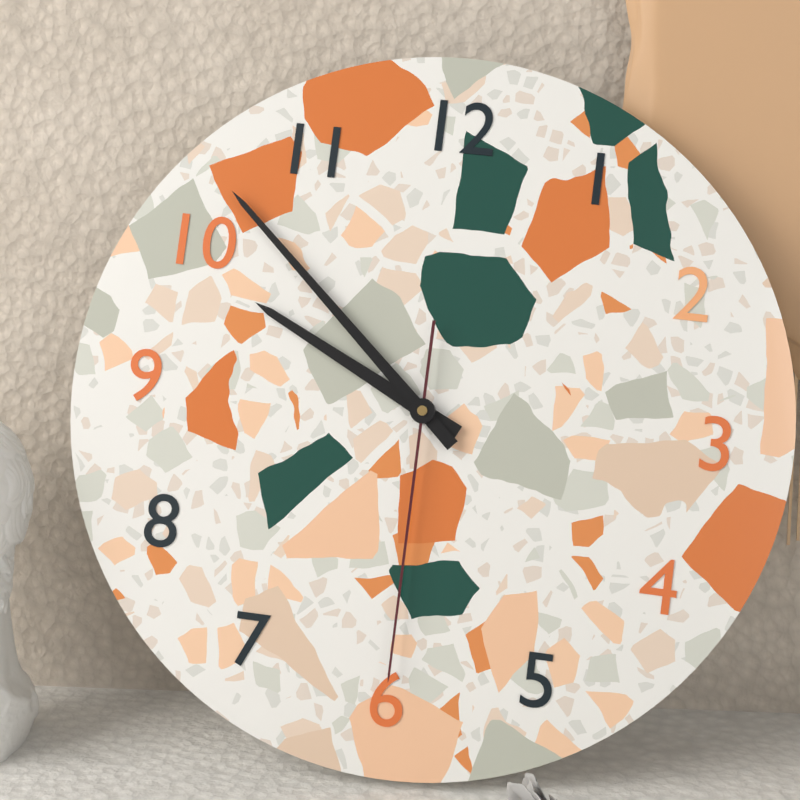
9,52,30
